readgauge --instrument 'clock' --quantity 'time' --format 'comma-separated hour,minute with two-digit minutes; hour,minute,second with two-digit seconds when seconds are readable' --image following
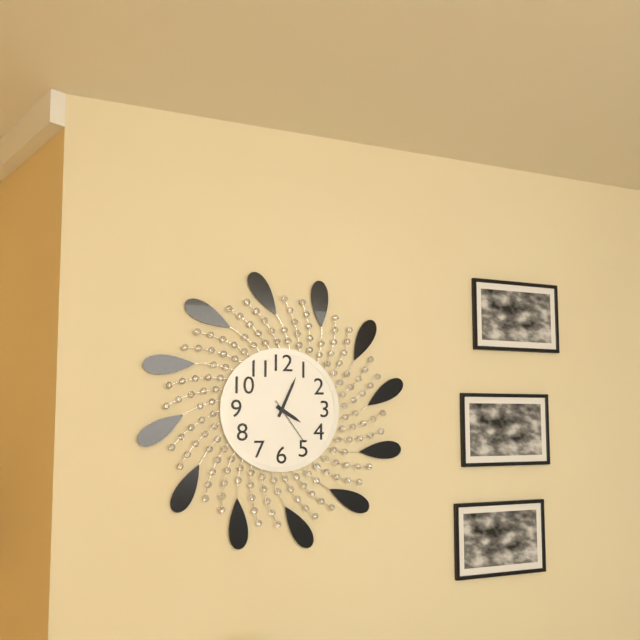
4,04,24
